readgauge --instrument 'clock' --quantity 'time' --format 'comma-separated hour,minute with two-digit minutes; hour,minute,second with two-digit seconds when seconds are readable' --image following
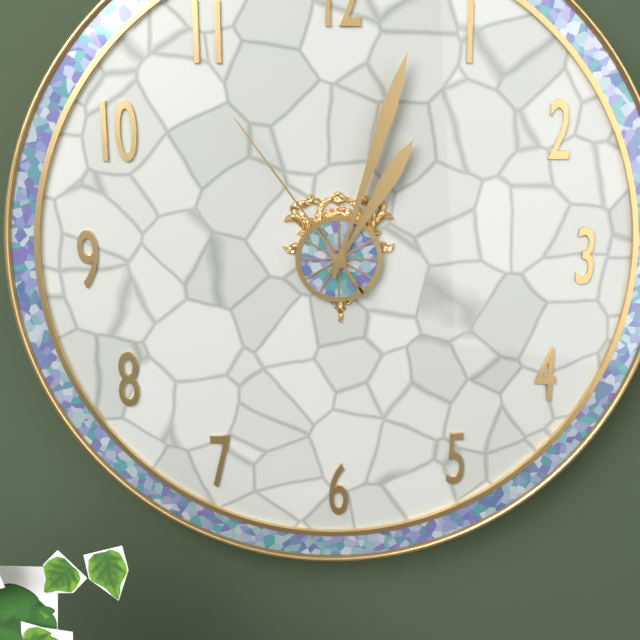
1,03,54
